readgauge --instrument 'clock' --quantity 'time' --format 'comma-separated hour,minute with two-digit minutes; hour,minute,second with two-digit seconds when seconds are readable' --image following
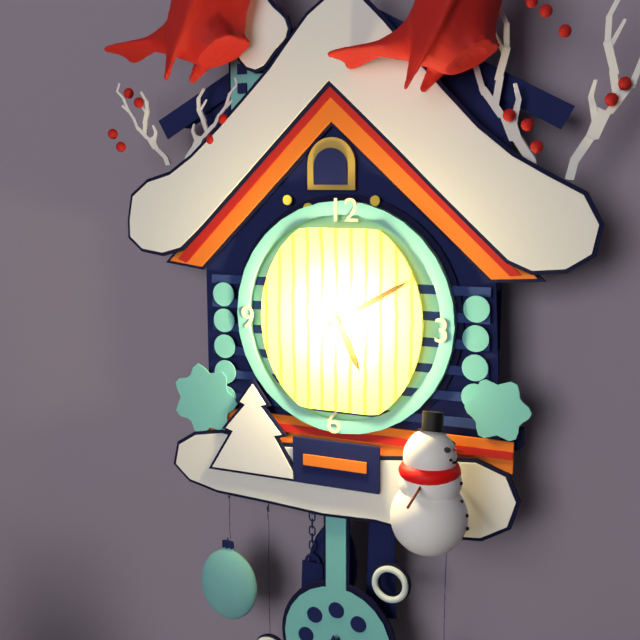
5,10
